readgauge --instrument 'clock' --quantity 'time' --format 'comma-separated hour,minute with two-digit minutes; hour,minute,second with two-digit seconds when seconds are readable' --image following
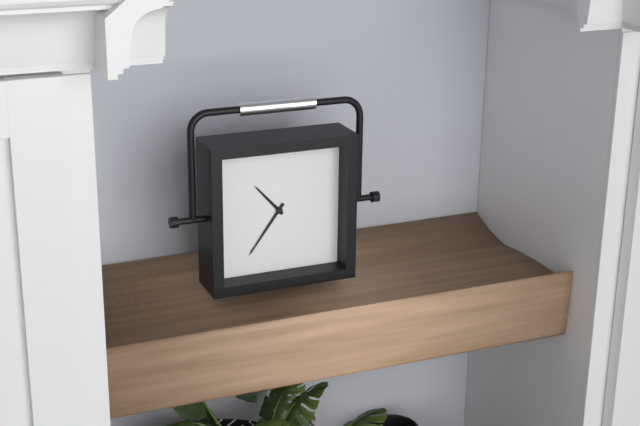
10,36
